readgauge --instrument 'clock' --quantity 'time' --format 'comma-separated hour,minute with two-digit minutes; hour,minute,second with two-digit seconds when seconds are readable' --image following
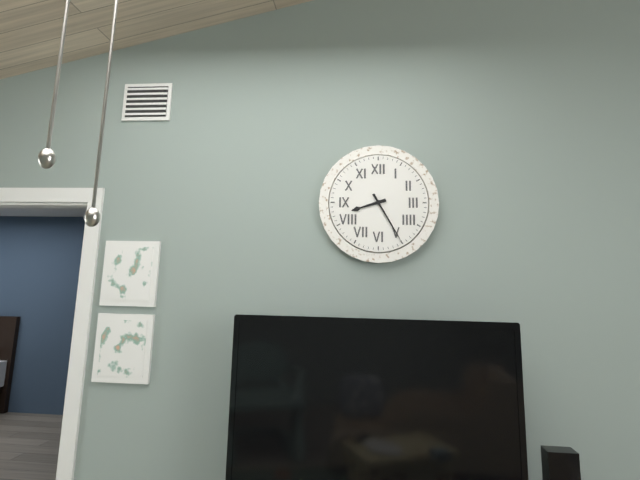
8,25
